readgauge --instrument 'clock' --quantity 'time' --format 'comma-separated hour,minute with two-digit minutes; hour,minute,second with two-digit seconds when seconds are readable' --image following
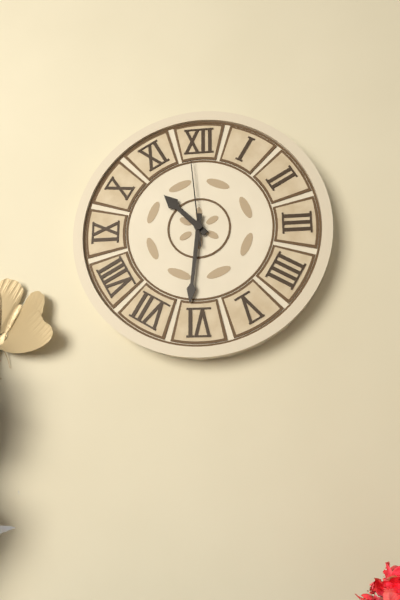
10,31,59
